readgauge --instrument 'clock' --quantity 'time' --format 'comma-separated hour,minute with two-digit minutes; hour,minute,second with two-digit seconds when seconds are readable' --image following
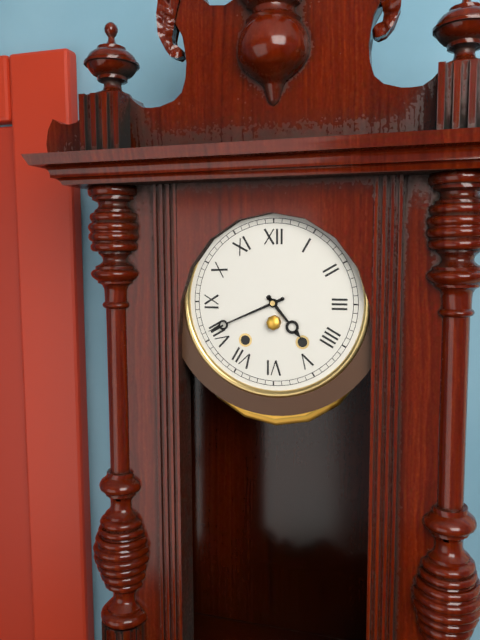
4,41
